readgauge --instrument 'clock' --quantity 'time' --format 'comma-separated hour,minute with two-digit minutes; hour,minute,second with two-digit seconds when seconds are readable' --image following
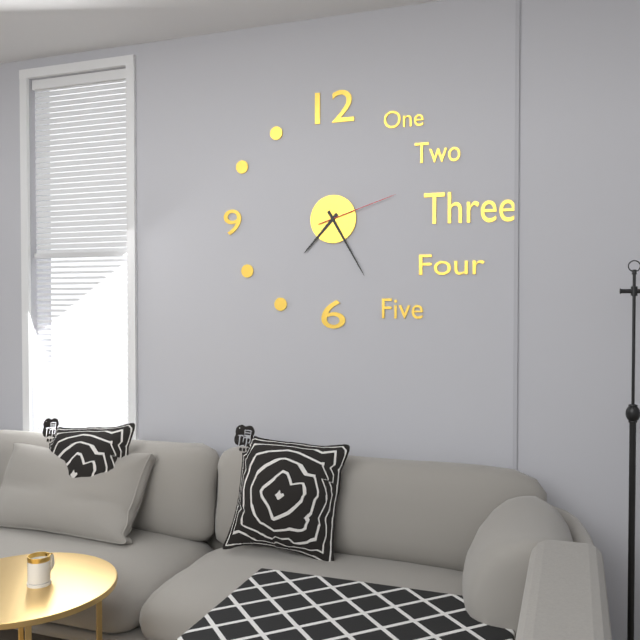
7,25,12
